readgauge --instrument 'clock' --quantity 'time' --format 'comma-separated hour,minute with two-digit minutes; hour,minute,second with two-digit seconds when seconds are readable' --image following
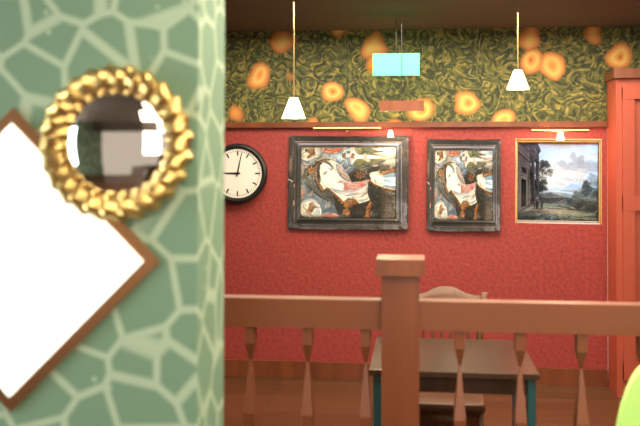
9,02
